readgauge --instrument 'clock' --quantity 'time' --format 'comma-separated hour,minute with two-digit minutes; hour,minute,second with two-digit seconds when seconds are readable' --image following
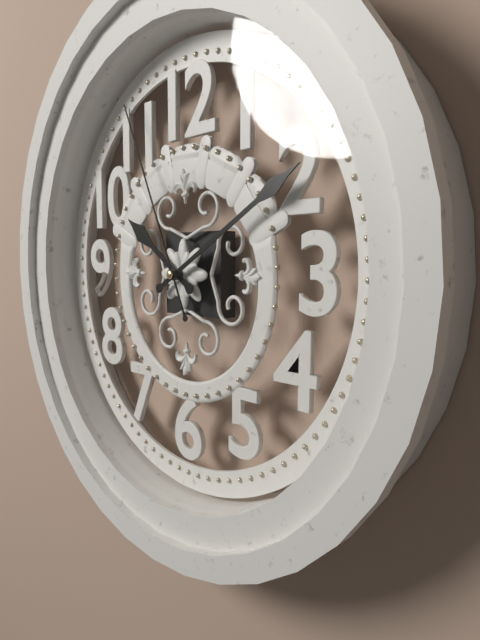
10,10,56
